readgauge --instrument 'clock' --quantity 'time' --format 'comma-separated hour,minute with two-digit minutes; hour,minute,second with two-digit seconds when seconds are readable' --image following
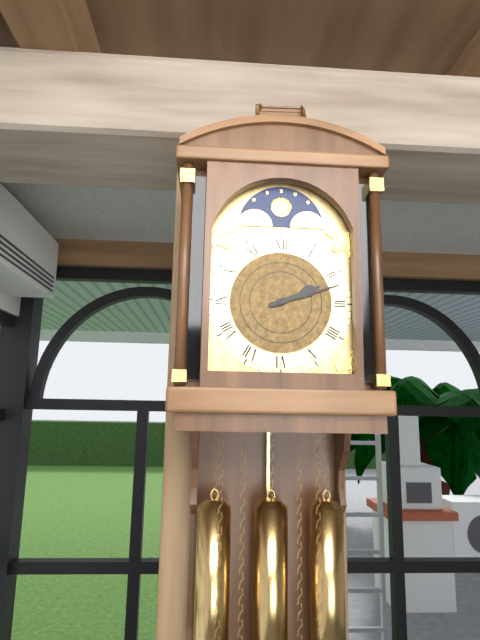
2,12
